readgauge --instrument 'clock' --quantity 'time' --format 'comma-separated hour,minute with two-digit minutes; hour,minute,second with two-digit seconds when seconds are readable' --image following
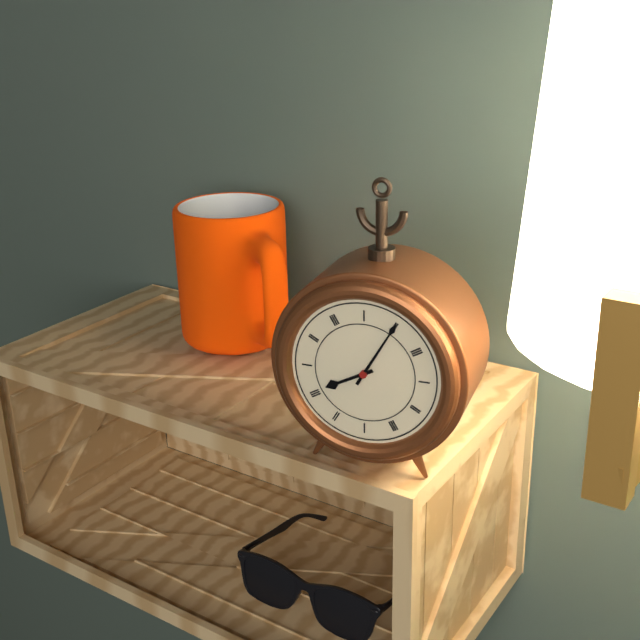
8,05
